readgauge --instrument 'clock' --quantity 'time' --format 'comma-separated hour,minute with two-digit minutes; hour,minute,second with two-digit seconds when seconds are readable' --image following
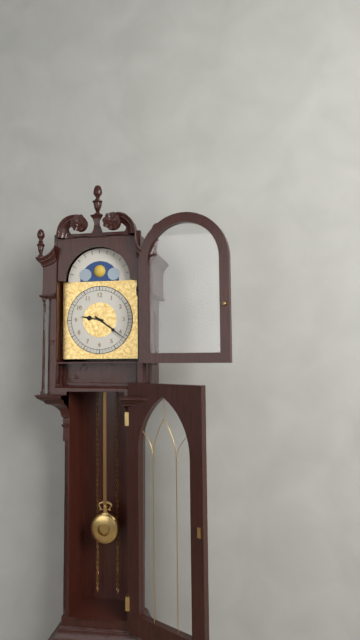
9,21
